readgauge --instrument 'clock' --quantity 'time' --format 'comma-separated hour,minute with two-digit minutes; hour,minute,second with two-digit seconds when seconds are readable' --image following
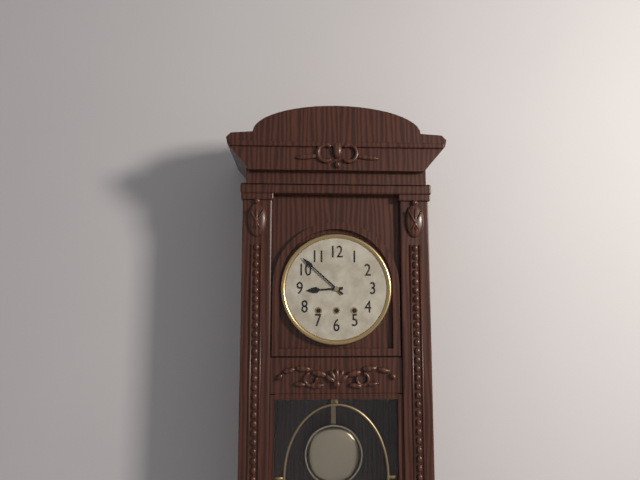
8,52
